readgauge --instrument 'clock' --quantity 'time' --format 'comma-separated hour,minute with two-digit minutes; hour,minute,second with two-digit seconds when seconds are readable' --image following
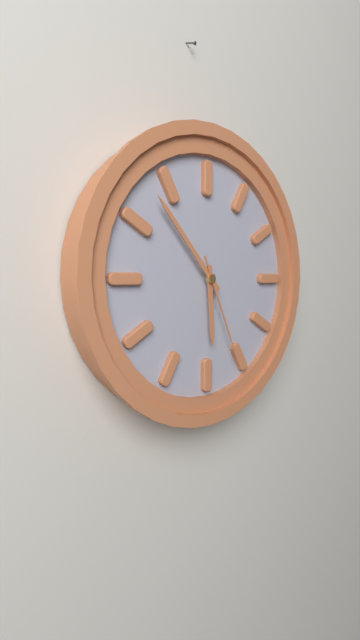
5,53,26
